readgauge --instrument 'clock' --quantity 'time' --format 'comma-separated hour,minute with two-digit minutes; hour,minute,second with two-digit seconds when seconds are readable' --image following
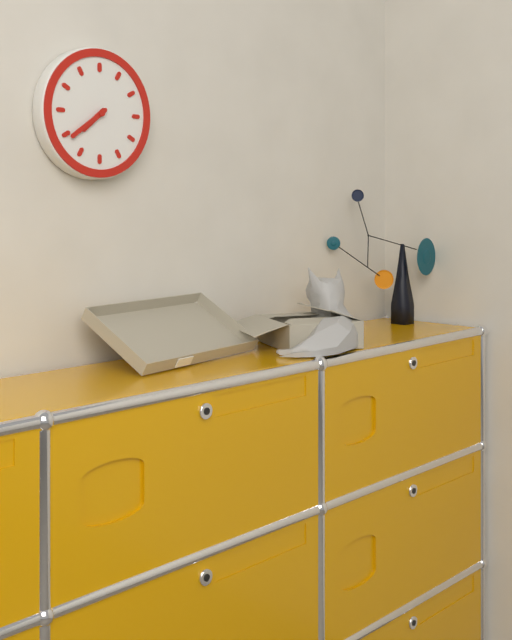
7,39
